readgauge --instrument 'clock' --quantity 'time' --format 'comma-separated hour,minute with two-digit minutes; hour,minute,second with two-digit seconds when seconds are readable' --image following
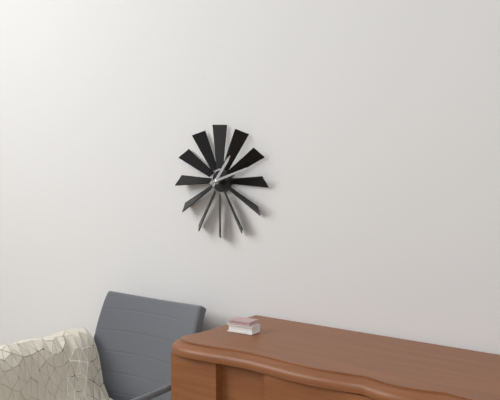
1,12
